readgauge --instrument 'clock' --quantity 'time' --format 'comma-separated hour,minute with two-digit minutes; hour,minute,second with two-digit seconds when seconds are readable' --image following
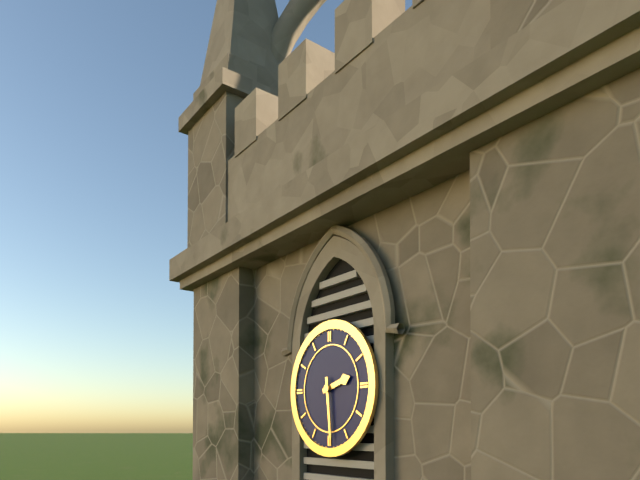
2,29
